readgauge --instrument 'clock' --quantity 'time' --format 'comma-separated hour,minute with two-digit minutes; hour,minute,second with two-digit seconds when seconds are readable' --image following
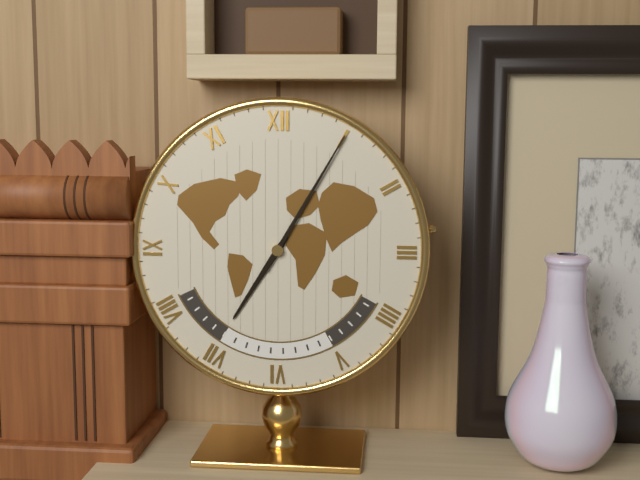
7,05
